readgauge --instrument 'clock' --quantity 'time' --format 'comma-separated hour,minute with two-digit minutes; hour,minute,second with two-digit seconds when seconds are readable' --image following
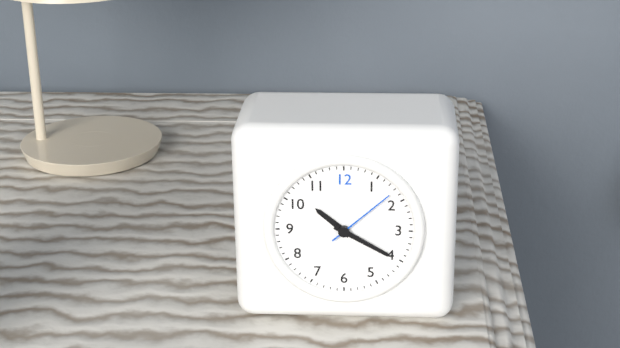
10,20,08
